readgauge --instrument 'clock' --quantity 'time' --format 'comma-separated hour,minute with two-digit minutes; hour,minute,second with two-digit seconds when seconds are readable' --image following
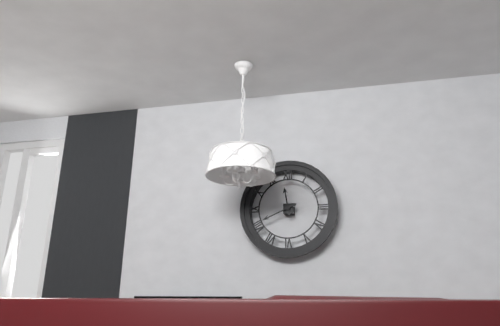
11,41
